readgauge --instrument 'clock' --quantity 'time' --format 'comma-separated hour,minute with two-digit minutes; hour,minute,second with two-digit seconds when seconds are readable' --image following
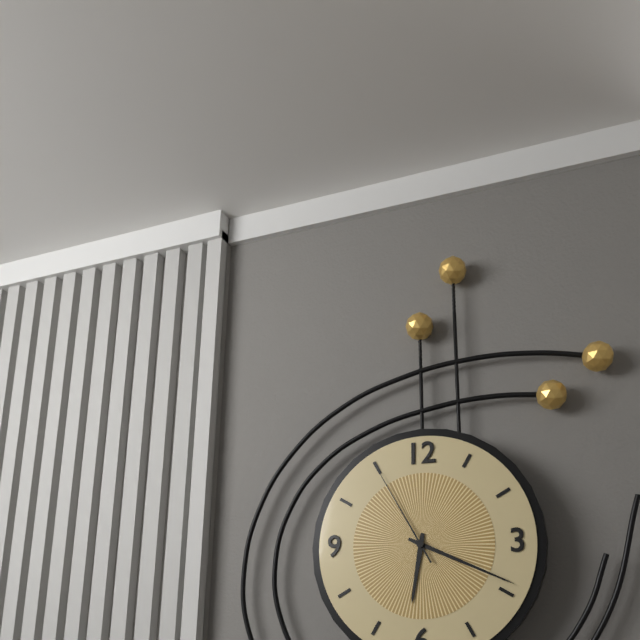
6,19,55
